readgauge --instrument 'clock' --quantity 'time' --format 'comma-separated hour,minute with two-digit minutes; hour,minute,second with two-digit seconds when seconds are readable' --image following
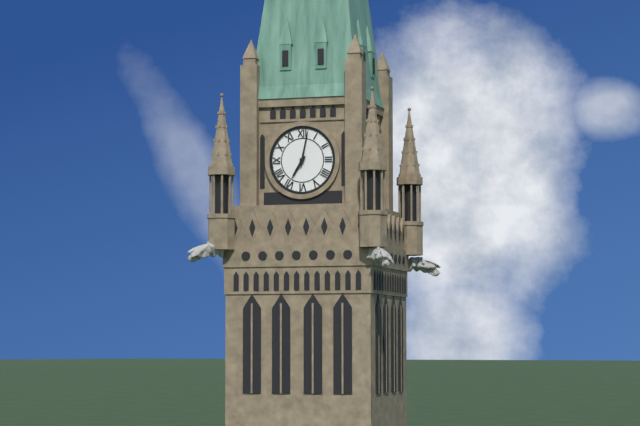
7,02
